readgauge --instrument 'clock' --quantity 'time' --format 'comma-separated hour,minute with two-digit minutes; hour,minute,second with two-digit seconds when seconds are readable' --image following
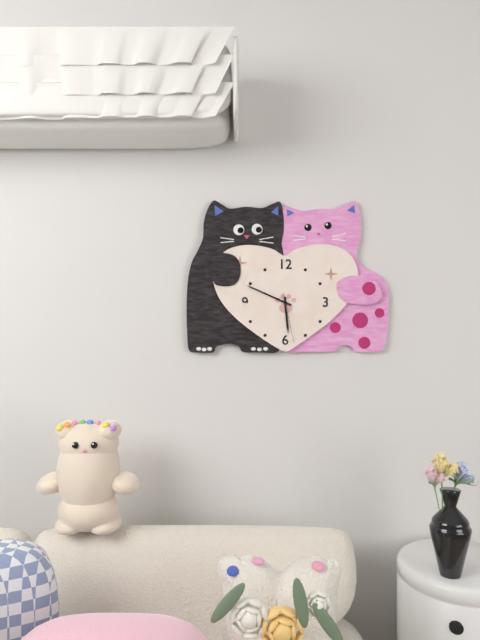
5,49,28
